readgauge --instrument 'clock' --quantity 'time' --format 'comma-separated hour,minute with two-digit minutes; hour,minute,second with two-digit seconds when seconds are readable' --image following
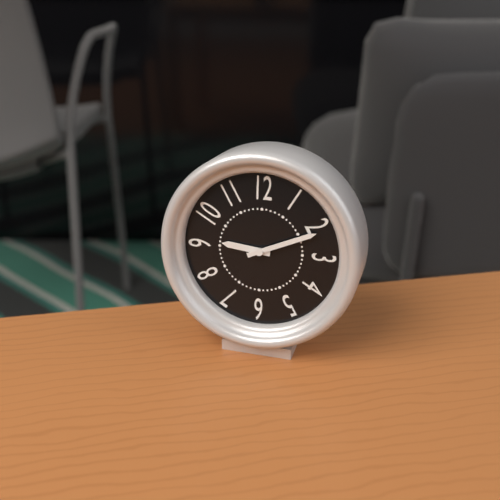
9,11
